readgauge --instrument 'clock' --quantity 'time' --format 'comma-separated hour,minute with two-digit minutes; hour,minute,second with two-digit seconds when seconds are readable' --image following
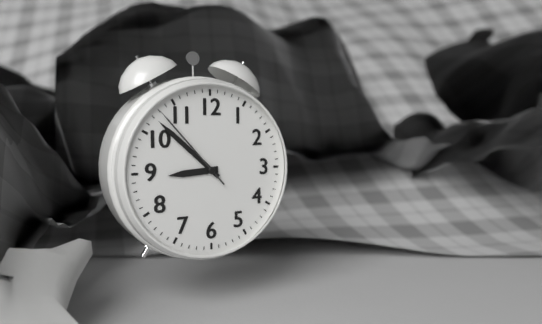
8,52,53
